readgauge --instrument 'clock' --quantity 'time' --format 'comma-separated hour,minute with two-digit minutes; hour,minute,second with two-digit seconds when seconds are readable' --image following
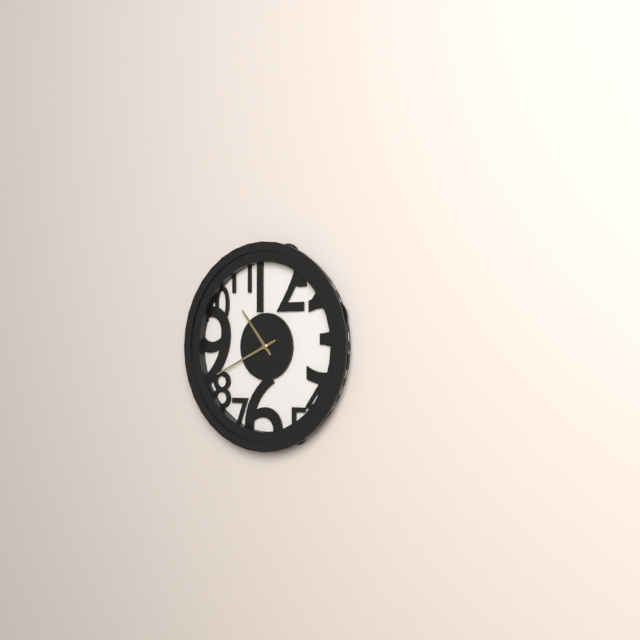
10,41
